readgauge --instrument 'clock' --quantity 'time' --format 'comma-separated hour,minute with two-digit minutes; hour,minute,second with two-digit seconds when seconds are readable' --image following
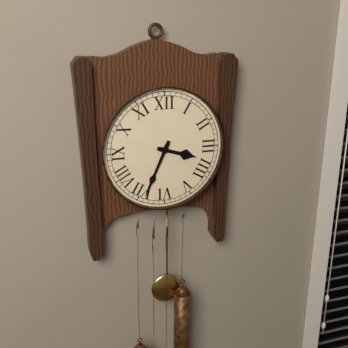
3,34
